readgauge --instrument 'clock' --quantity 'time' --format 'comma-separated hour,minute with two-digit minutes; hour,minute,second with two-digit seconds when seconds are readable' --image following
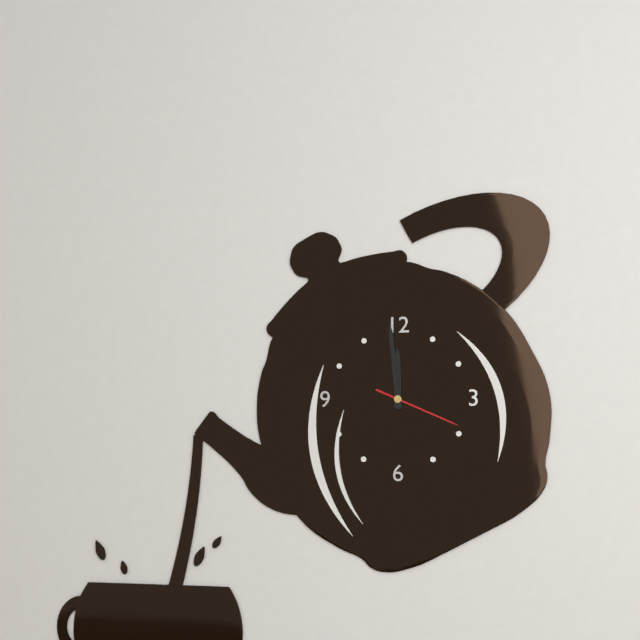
11,59,19
